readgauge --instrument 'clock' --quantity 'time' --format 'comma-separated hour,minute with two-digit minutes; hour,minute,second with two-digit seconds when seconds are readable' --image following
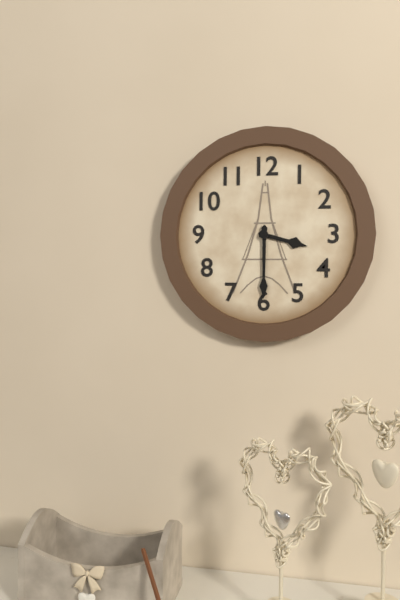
3,30
